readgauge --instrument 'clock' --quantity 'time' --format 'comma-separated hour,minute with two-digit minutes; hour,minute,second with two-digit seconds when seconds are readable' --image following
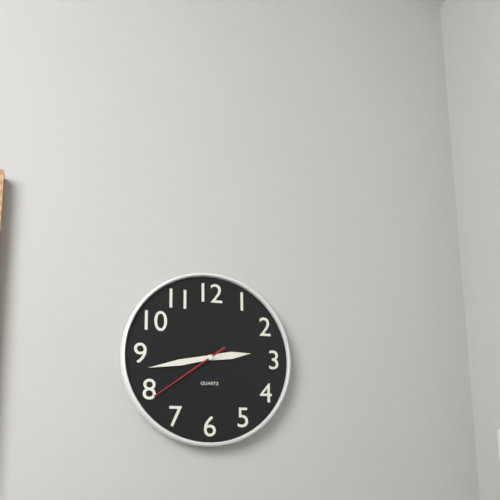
2,43,39
